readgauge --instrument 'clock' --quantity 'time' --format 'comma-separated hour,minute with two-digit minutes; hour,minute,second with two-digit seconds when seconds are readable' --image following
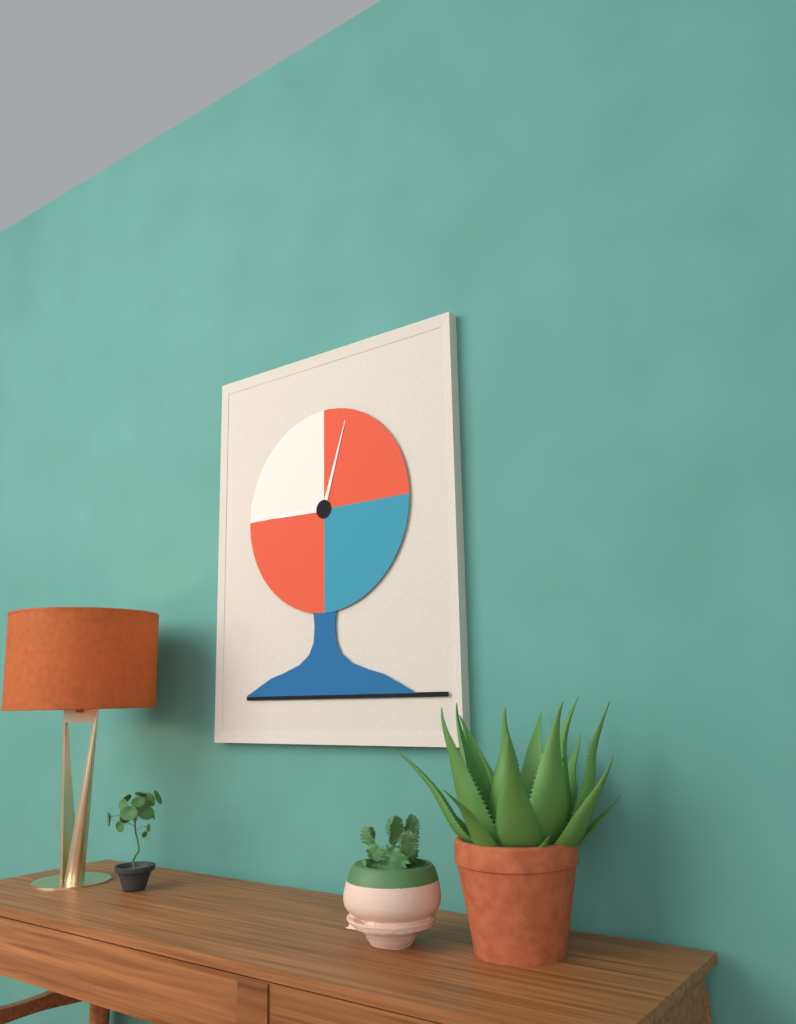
9,03
